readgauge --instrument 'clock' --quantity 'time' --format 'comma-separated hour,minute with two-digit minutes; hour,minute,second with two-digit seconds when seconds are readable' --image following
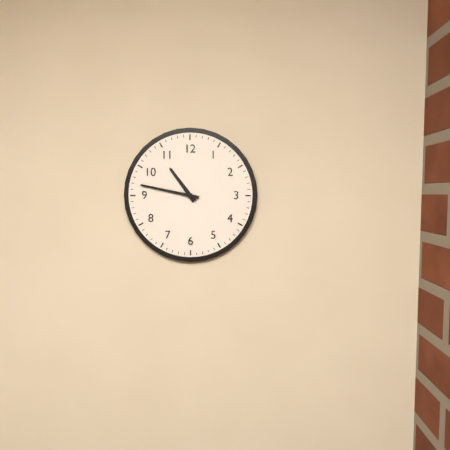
10,47
